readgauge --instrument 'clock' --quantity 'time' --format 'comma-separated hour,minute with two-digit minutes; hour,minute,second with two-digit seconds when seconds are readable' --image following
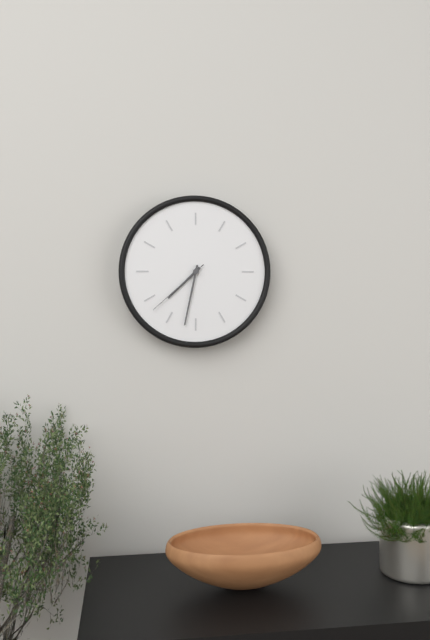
7,32,38
